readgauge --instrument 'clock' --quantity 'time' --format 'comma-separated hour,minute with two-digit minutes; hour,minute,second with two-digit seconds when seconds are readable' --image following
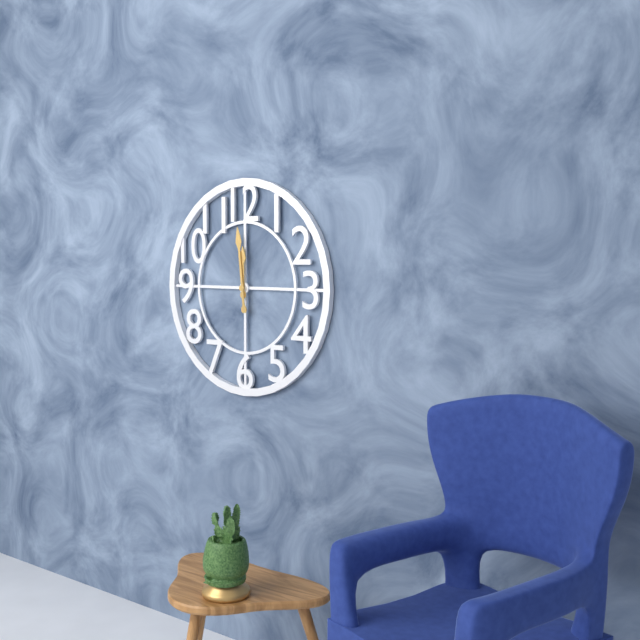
11,59
